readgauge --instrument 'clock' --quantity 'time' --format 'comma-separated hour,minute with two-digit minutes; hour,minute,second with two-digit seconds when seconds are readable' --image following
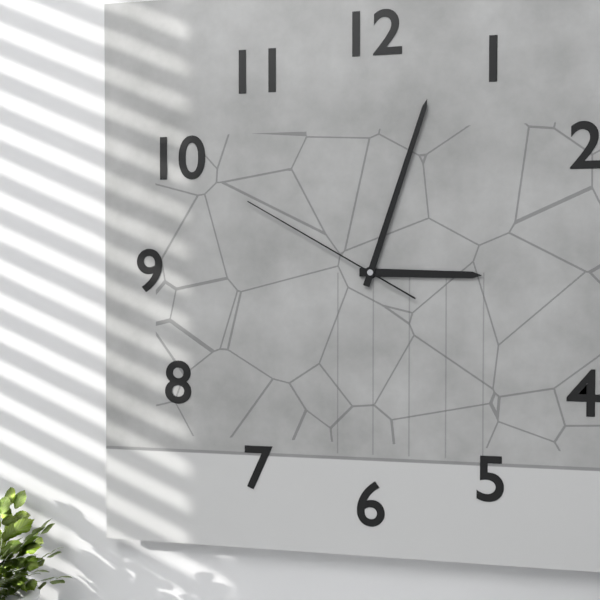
3,03,50
